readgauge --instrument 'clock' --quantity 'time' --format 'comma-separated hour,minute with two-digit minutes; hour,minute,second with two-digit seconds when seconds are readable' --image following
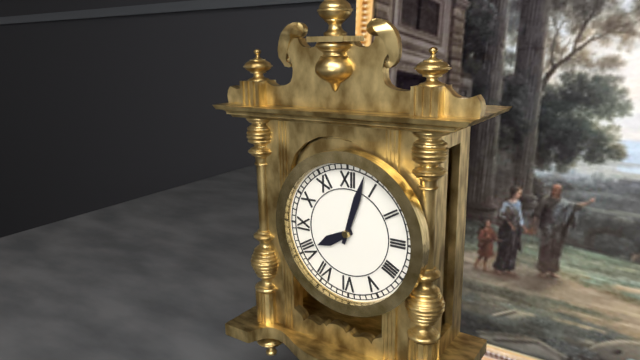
8,03
